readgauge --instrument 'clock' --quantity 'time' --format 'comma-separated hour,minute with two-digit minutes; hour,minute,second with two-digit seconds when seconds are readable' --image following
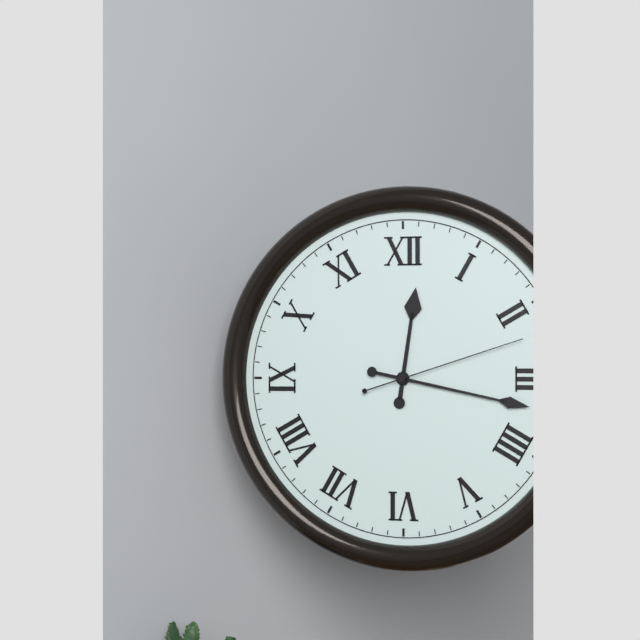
12,17,12
